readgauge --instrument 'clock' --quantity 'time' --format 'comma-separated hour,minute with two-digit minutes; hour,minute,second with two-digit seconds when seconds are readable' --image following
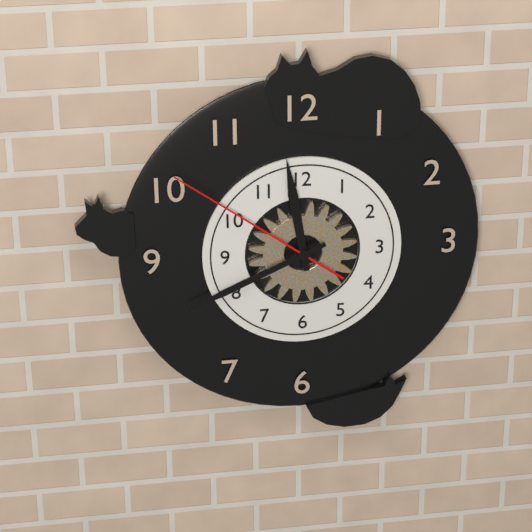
11,41,51
